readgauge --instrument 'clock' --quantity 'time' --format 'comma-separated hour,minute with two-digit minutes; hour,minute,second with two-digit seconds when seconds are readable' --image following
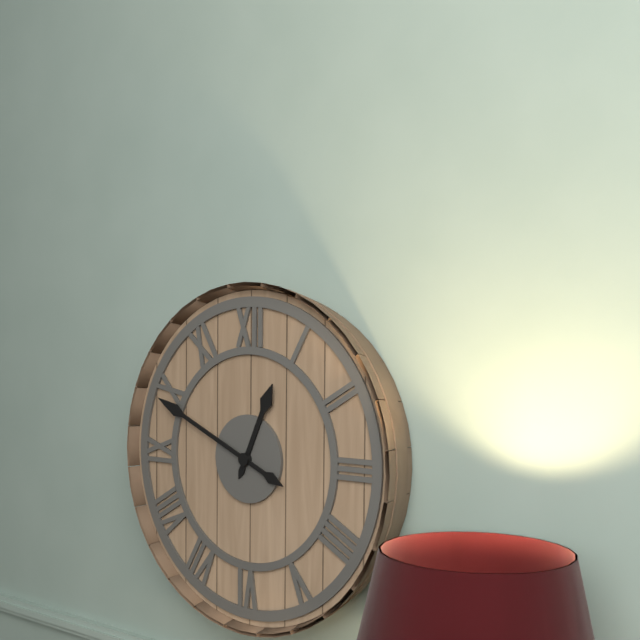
12,49
